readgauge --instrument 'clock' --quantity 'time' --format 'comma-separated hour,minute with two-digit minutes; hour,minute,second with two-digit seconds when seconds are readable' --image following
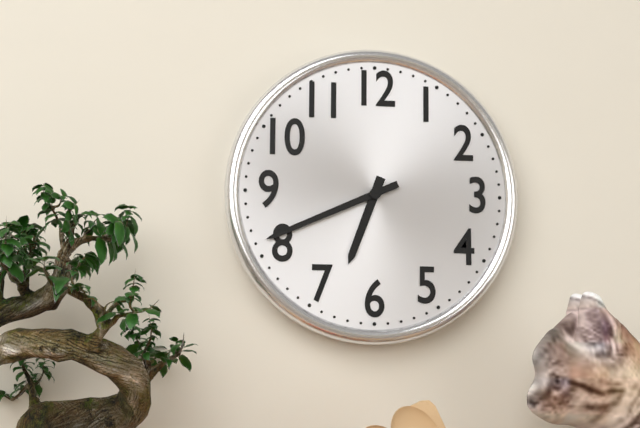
6,41
